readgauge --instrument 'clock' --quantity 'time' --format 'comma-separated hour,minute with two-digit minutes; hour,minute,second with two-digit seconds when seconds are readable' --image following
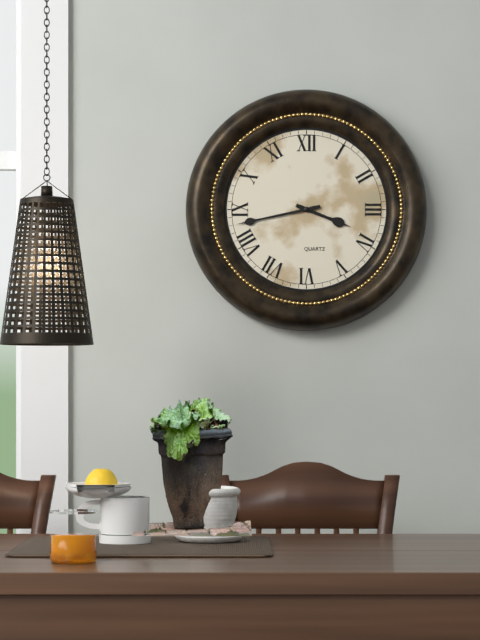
3,43
